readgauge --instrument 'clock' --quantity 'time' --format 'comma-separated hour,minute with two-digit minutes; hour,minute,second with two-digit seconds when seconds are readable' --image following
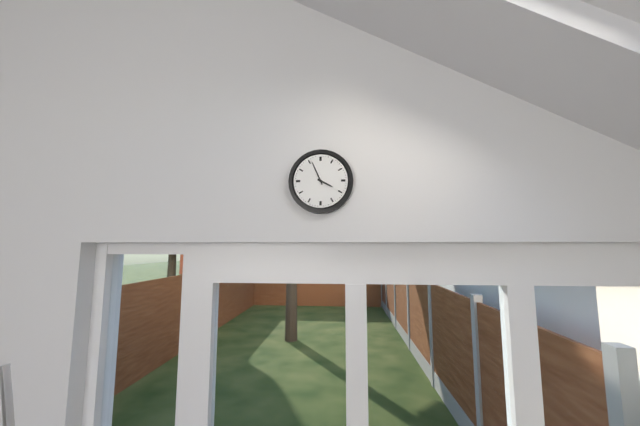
3,56
